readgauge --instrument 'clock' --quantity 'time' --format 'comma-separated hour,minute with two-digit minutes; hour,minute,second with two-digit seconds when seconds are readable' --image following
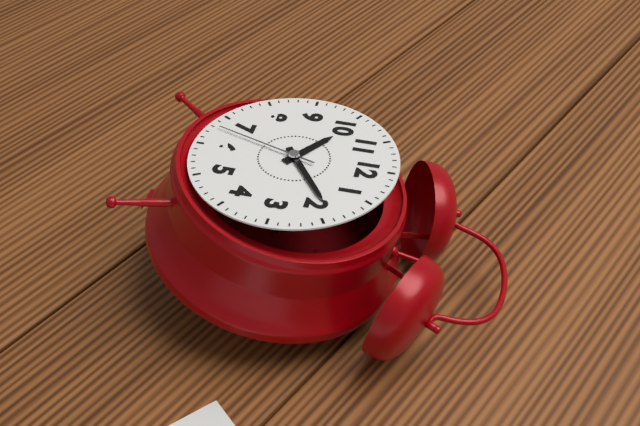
10,09,33
